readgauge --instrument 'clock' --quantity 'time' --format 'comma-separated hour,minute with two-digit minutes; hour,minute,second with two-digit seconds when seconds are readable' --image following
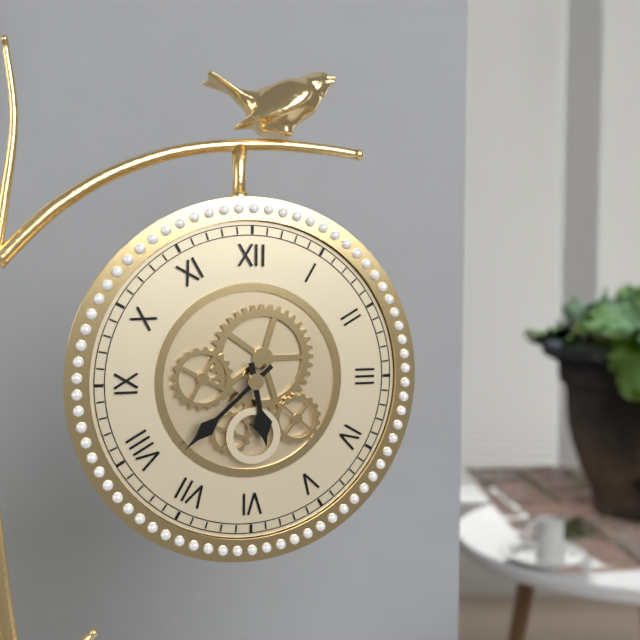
5,38
